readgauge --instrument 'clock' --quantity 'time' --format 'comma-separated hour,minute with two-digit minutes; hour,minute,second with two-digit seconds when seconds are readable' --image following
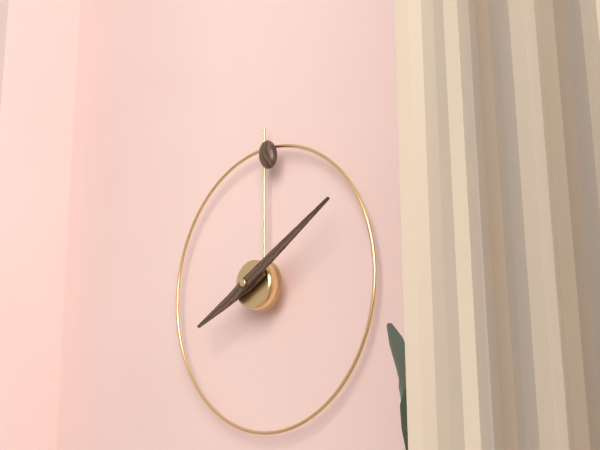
8,10
